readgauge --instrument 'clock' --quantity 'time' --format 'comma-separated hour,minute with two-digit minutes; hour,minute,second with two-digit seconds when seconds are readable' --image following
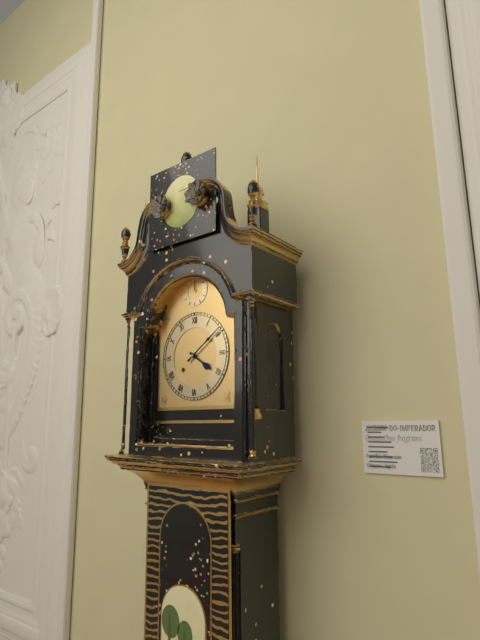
4,09
